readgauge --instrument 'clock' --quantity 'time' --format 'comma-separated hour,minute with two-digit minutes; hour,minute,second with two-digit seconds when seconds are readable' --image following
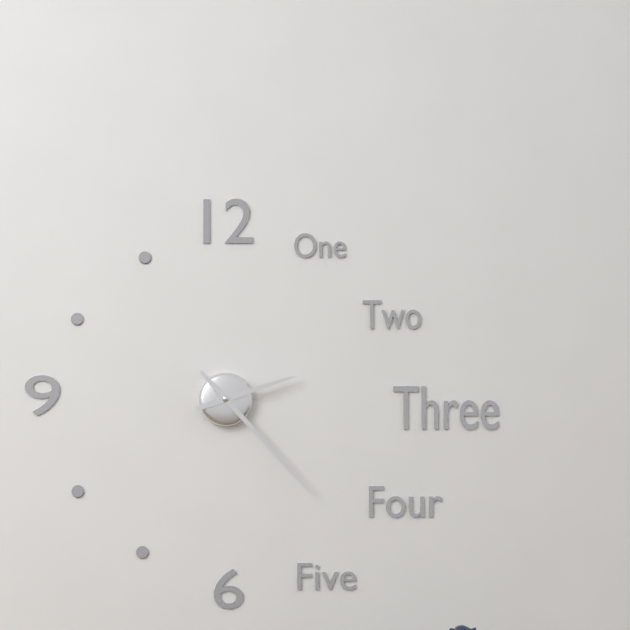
2,23
